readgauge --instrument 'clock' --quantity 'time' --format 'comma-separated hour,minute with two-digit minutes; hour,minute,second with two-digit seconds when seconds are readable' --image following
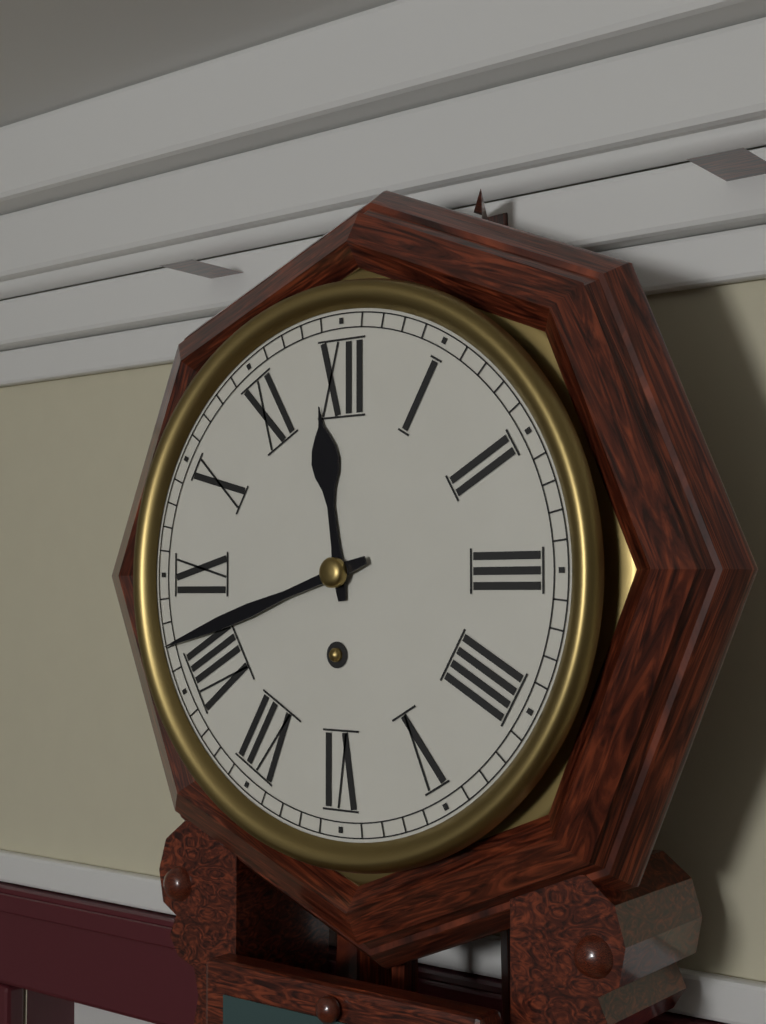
11,42
